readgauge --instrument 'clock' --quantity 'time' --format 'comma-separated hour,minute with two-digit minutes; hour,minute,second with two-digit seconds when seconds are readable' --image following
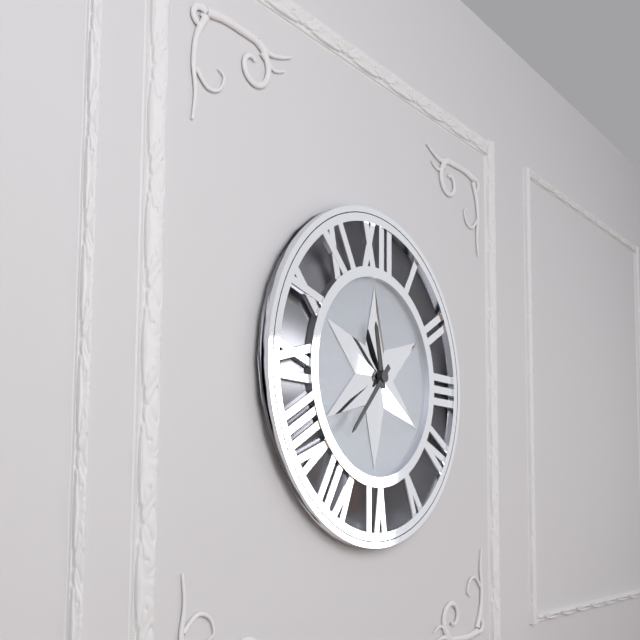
11,37
